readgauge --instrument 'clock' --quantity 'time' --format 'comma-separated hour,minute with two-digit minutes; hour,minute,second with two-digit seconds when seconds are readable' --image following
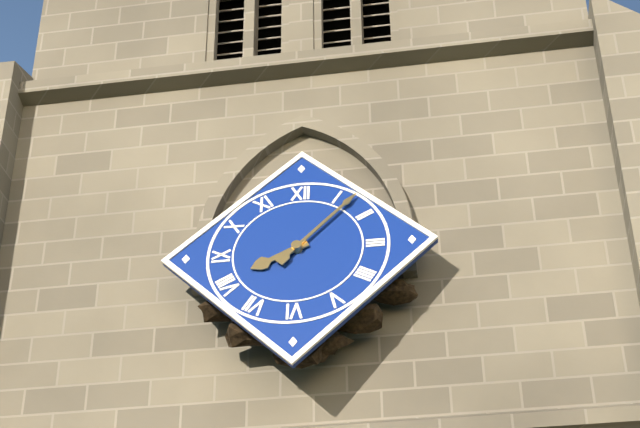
8,07
